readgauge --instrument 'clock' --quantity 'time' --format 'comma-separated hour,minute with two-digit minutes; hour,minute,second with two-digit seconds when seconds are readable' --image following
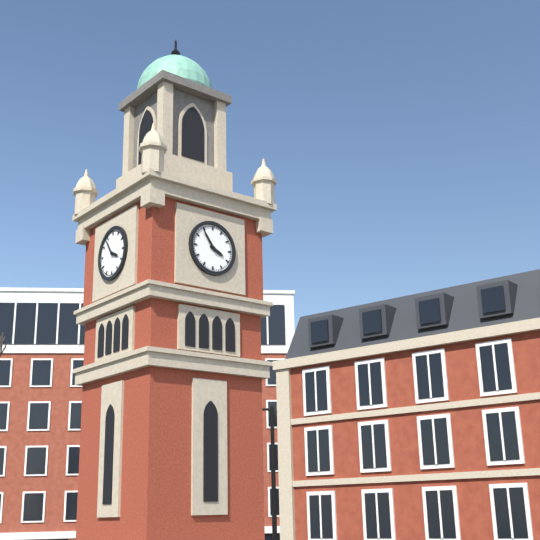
3,54
